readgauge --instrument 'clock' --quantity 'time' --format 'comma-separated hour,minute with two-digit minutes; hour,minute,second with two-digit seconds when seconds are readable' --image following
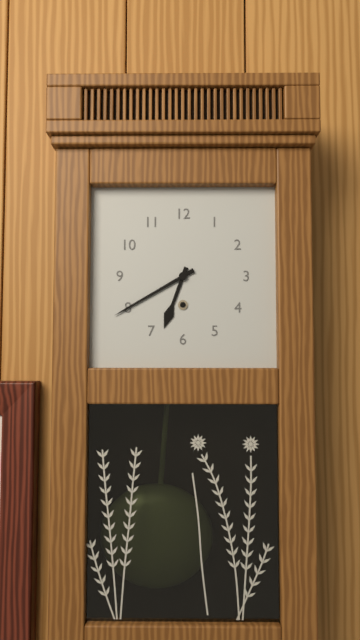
6,40
